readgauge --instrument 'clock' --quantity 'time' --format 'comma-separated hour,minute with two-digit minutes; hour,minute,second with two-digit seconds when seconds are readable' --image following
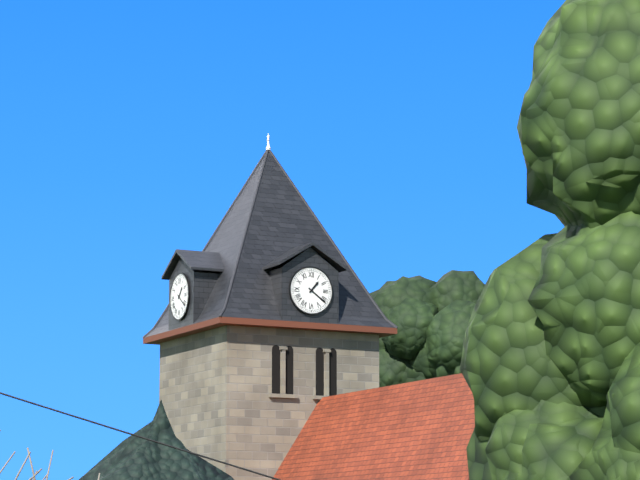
1,21
